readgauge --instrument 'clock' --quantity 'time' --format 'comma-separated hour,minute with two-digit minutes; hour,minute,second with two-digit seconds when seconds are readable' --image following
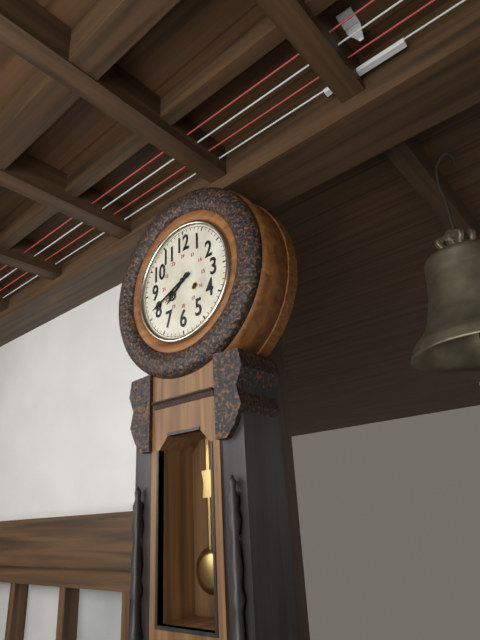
7,41
